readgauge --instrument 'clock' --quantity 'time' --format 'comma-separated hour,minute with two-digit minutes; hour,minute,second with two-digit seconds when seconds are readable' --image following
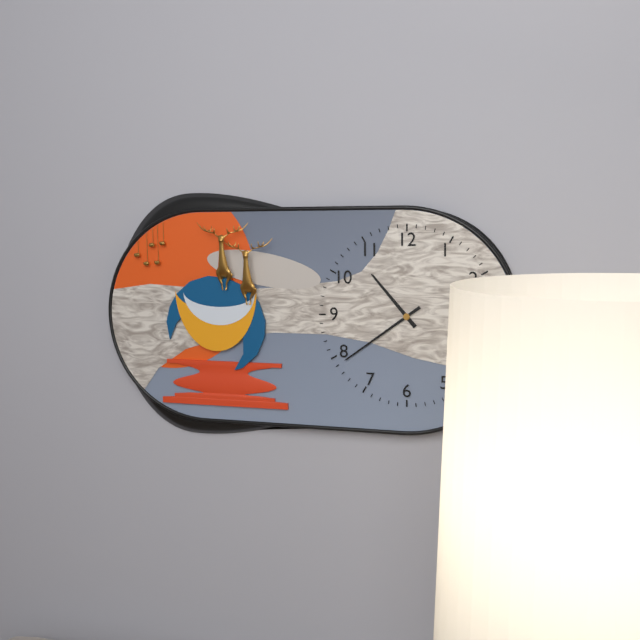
10,39
